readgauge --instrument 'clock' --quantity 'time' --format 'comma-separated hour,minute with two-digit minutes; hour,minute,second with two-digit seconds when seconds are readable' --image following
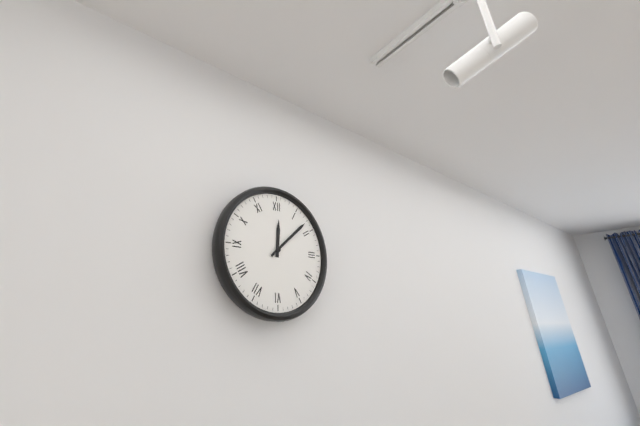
12,08
